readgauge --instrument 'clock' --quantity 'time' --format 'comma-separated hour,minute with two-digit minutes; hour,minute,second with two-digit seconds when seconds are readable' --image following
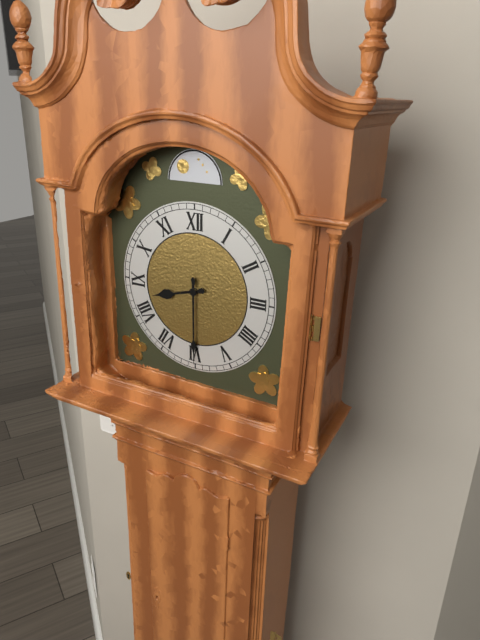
8,30
